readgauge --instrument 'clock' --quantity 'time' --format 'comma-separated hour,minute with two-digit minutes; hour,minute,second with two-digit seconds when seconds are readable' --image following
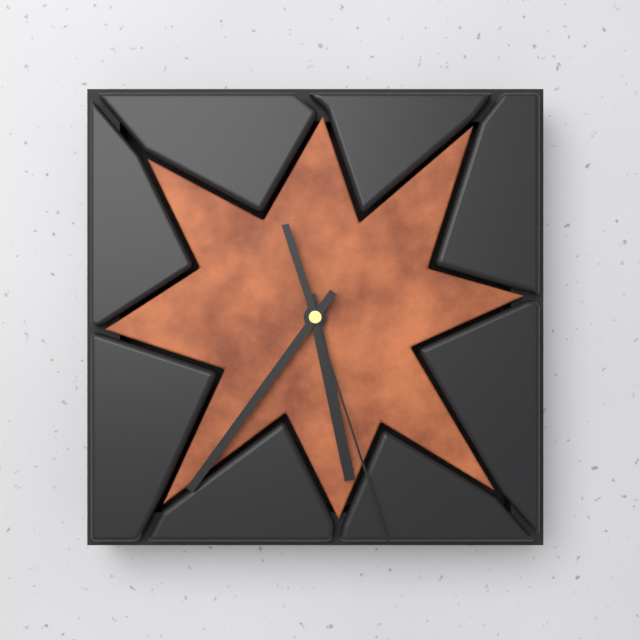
5,36,27
